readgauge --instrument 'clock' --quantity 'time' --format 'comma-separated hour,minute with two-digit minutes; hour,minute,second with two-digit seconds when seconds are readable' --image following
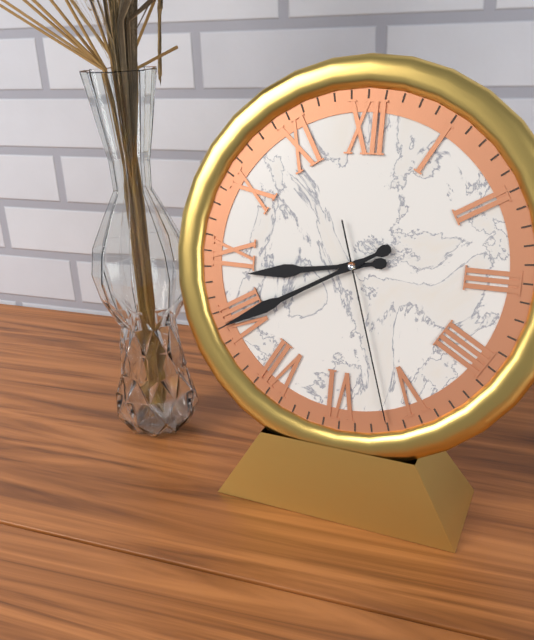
8,40,27
